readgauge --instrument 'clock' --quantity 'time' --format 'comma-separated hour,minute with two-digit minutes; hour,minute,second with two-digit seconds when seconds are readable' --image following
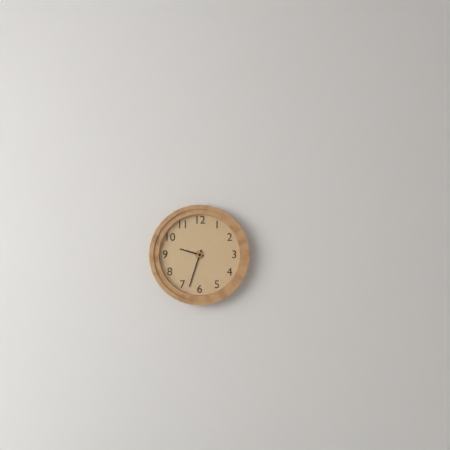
9,33
